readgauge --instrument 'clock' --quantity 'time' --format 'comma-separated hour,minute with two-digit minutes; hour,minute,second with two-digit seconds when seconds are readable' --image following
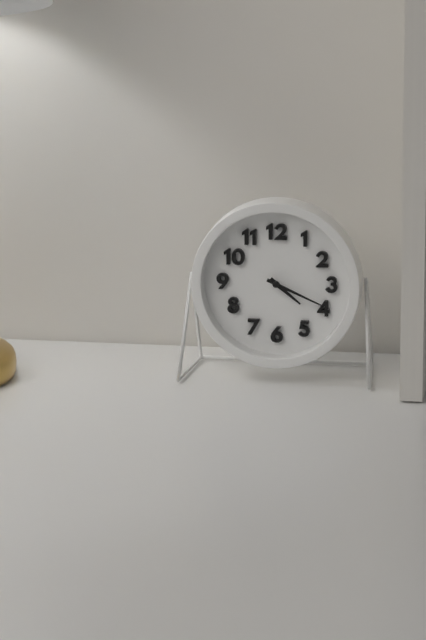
4,19
